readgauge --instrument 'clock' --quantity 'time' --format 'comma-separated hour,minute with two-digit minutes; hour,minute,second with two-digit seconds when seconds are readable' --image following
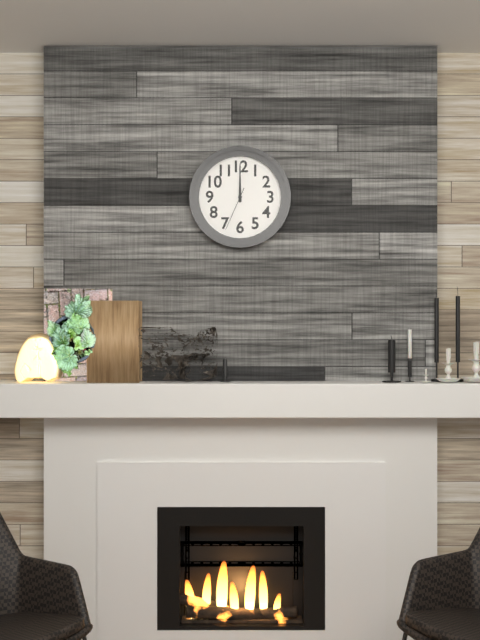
12,00
